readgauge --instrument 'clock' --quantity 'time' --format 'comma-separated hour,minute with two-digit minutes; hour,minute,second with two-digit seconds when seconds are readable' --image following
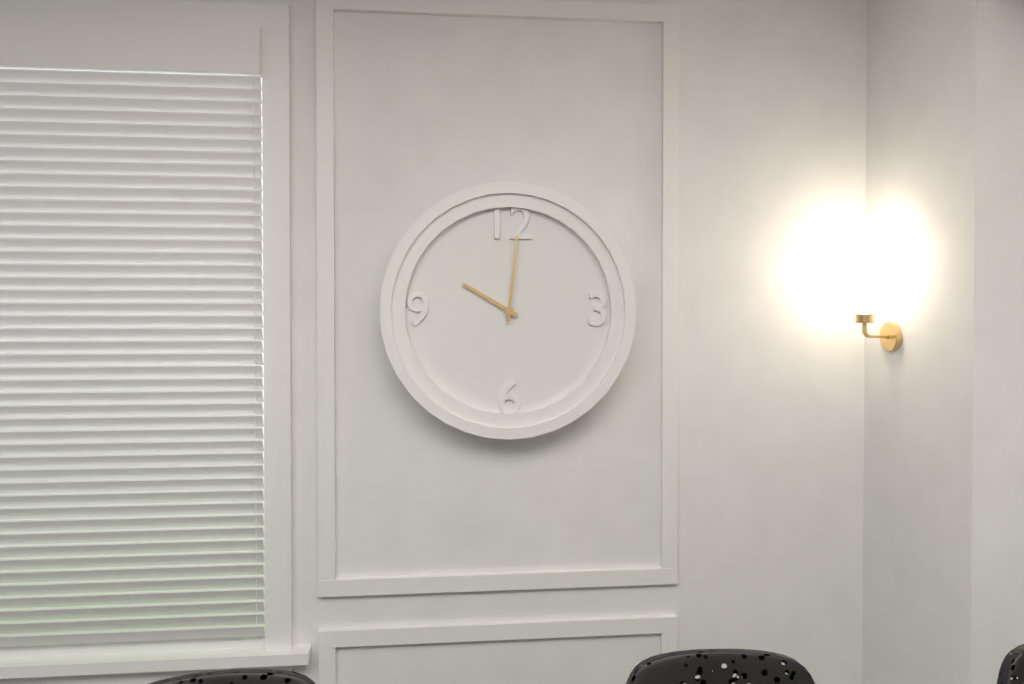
10,01
